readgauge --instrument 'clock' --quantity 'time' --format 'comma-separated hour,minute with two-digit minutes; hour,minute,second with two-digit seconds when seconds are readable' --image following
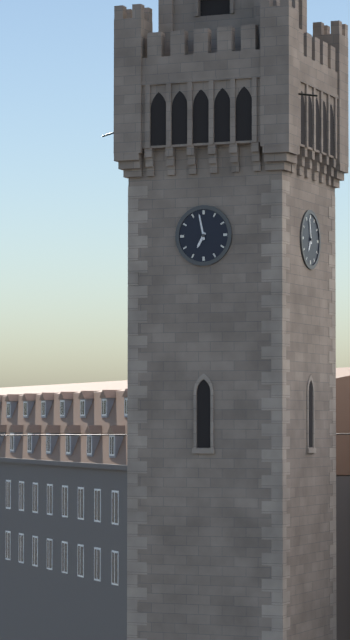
6,58
